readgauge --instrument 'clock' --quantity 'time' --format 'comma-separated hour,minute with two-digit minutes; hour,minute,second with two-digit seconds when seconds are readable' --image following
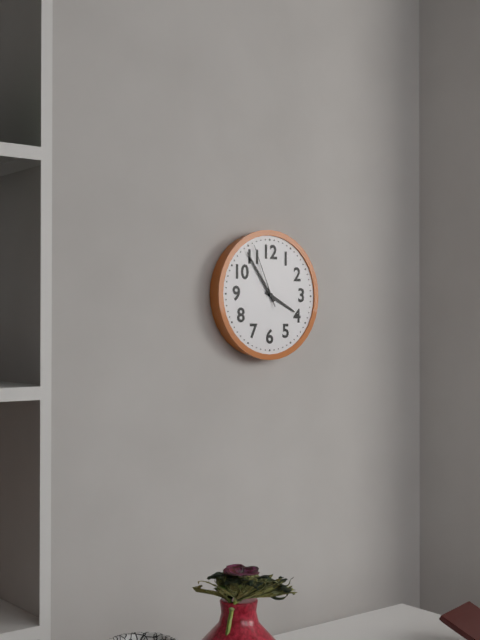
3,54,56
